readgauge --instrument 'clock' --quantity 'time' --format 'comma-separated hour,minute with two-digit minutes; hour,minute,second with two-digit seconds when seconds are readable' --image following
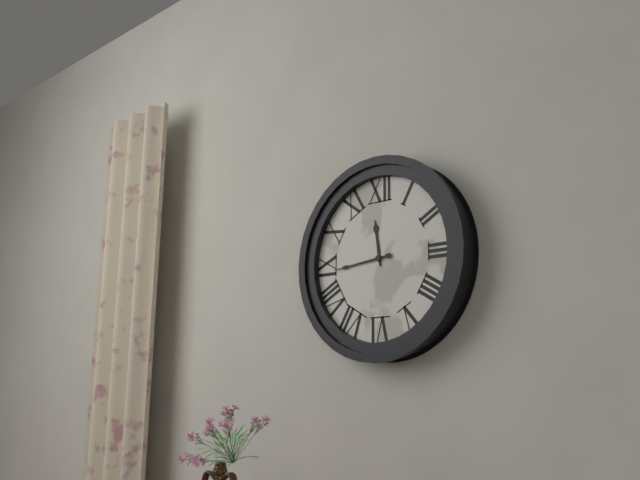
11,44
